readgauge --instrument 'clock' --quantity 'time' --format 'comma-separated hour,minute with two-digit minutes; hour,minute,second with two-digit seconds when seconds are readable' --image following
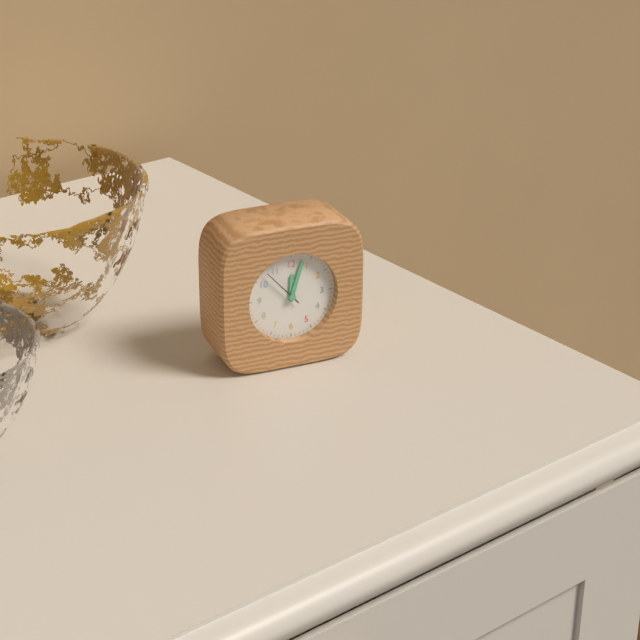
12,03
